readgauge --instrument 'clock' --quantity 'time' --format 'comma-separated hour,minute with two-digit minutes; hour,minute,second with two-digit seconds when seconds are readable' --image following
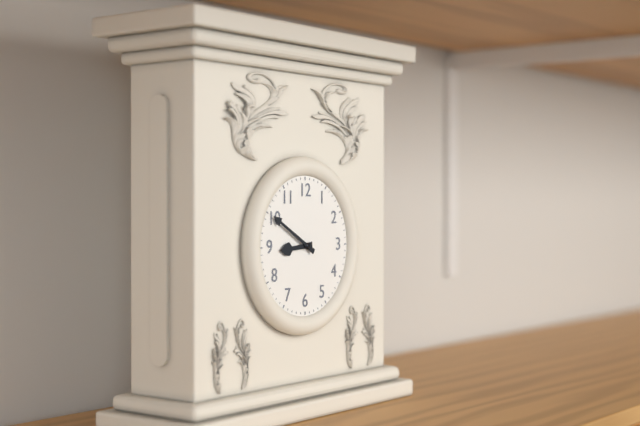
8,50
